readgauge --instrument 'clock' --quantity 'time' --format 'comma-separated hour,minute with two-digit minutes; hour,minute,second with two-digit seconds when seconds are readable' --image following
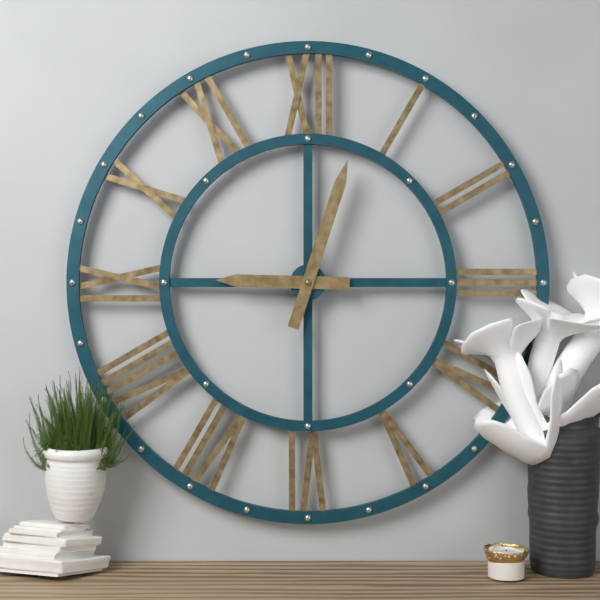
9,03
